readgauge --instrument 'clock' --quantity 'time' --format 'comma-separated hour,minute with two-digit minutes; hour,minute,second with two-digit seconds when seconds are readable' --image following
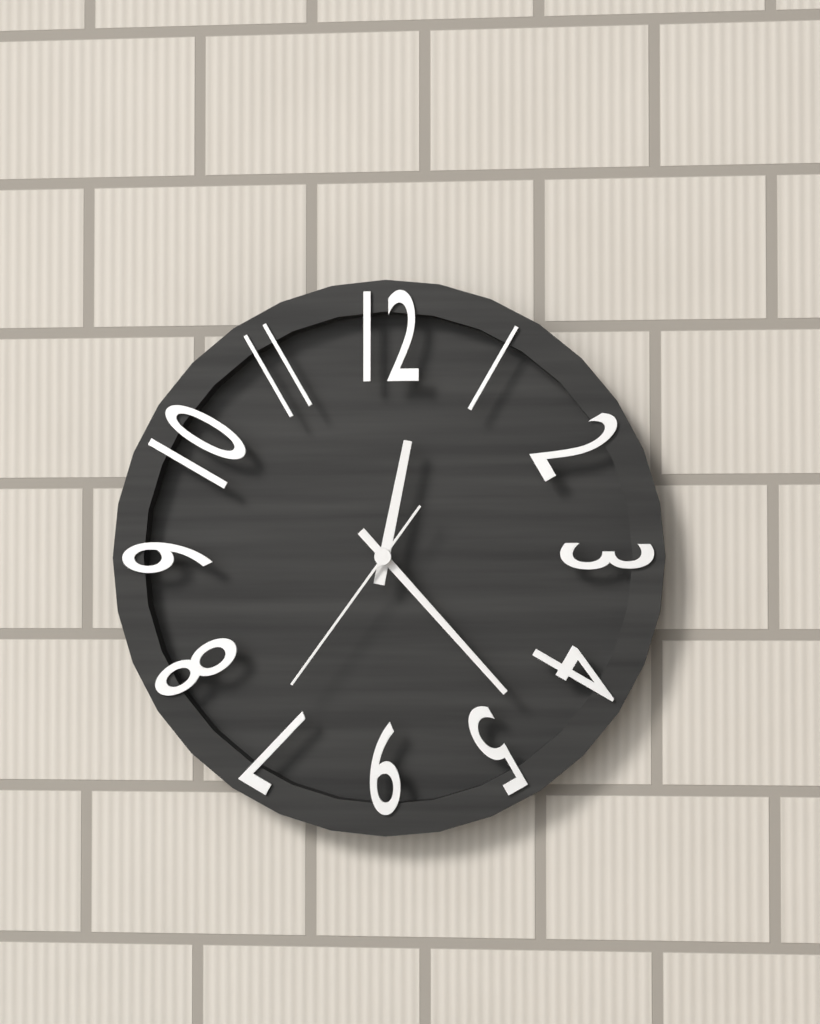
12,23,36
